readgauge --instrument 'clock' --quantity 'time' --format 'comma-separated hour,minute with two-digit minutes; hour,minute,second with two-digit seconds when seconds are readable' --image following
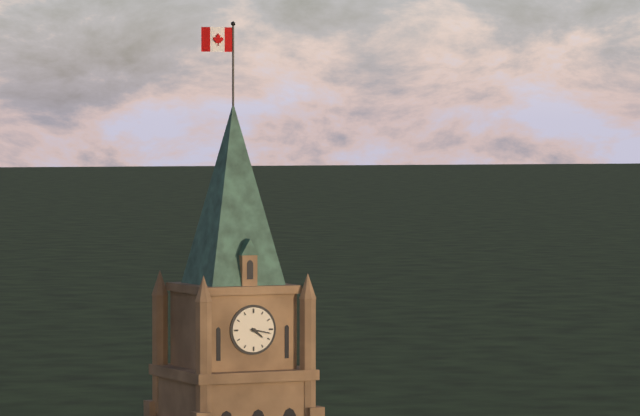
4,17
